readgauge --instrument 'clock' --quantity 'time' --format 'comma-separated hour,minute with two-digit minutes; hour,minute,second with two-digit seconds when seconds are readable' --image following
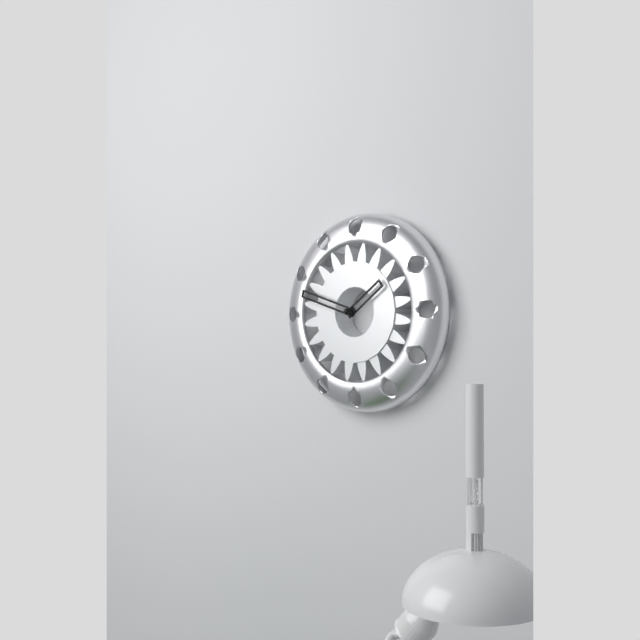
1,48
